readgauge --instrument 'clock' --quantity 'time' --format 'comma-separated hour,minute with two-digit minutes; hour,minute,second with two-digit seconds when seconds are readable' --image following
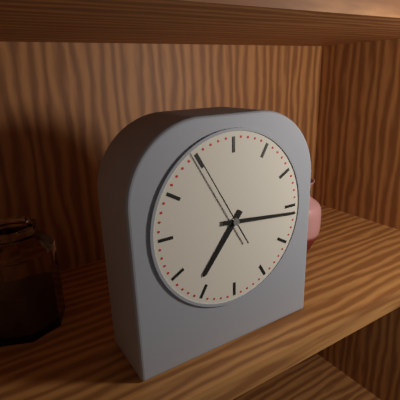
7,16,55
